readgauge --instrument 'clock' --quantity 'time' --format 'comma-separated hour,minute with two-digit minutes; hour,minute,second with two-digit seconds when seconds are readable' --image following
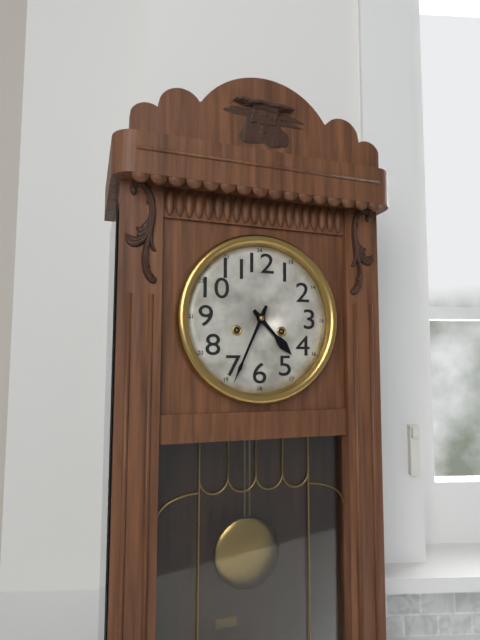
4,34
